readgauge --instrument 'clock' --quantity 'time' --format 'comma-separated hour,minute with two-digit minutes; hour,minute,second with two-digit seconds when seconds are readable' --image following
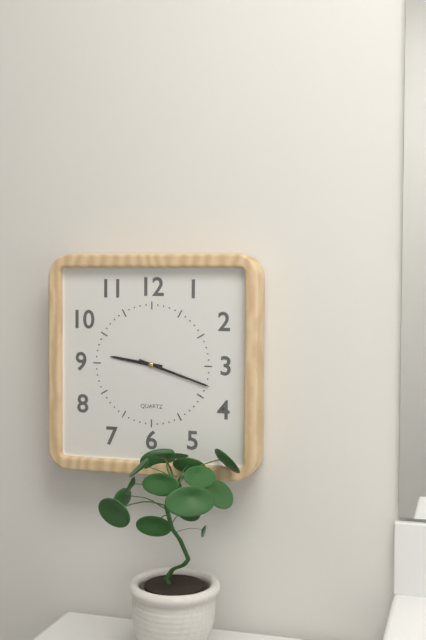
9,18
